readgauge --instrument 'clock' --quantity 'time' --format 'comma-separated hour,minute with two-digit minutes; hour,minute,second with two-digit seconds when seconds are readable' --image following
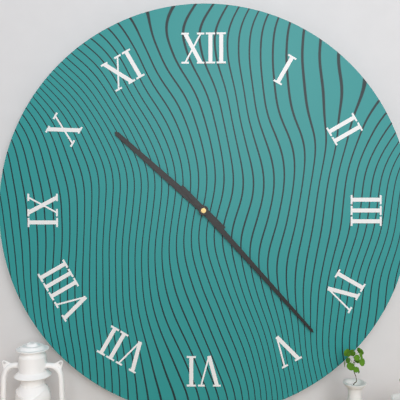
10,23
